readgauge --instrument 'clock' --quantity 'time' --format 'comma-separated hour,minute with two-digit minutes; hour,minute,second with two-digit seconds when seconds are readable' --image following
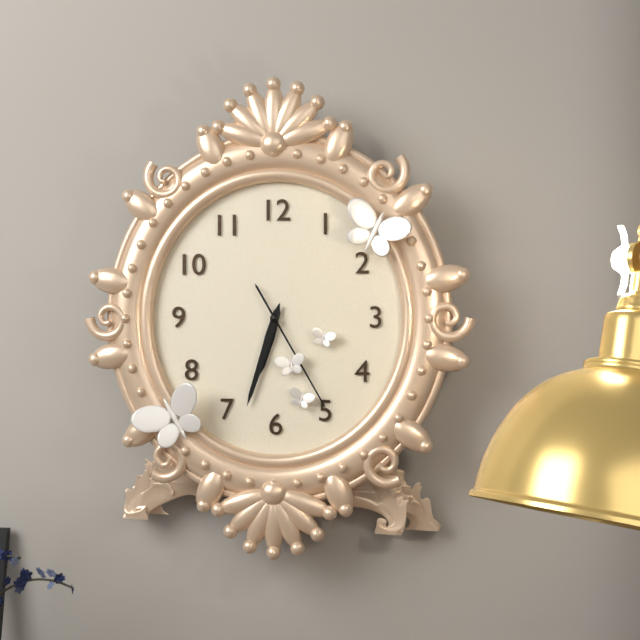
6,33,25
